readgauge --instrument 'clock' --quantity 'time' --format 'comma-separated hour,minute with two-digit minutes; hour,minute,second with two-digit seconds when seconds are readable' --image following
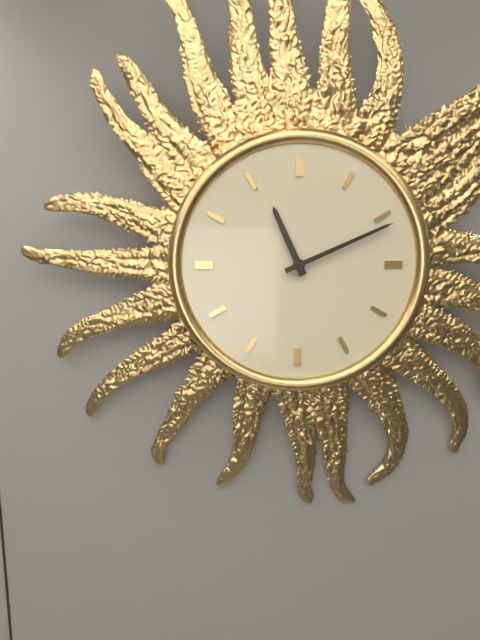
11,11
